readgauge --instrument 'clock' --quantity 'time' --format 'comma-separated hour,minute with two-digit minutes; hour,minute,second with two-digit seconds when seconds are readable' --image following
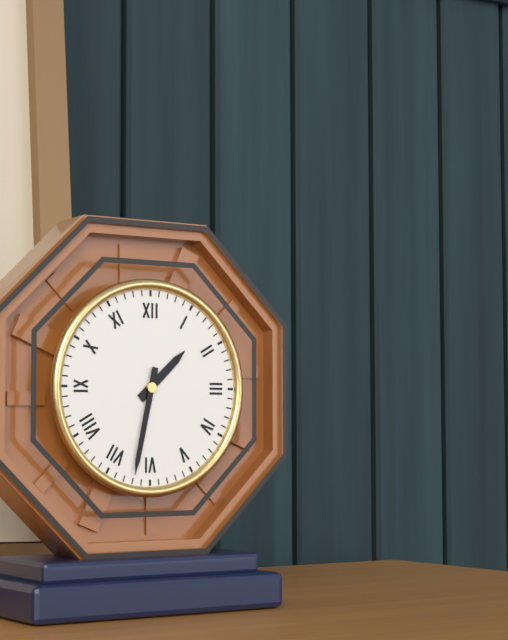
1,32
